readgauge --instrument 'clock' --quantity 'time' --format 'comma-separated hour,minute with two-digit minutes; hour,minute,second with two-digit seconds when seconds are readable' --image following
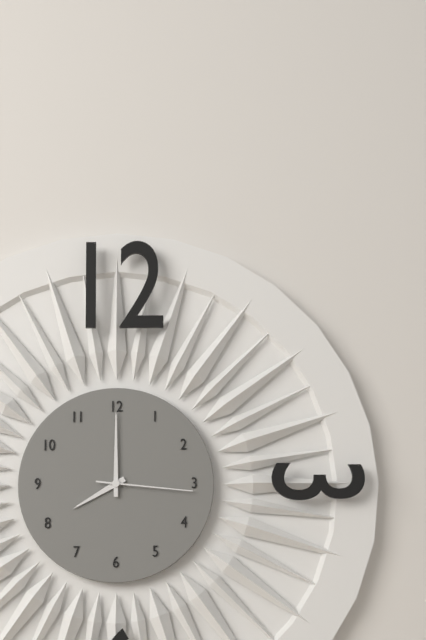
8,00,16
